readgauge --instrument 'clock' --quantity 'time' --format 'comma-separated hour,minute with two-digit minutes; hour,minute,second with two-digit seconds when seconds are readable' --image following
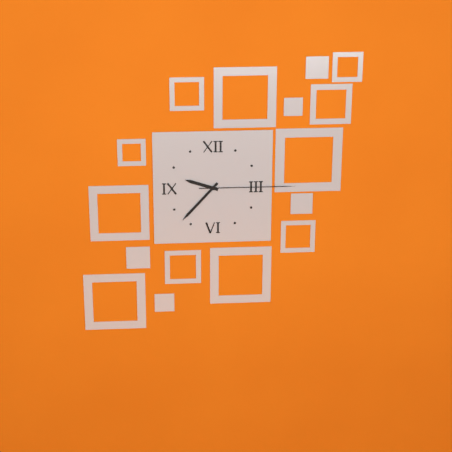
9,37,15
